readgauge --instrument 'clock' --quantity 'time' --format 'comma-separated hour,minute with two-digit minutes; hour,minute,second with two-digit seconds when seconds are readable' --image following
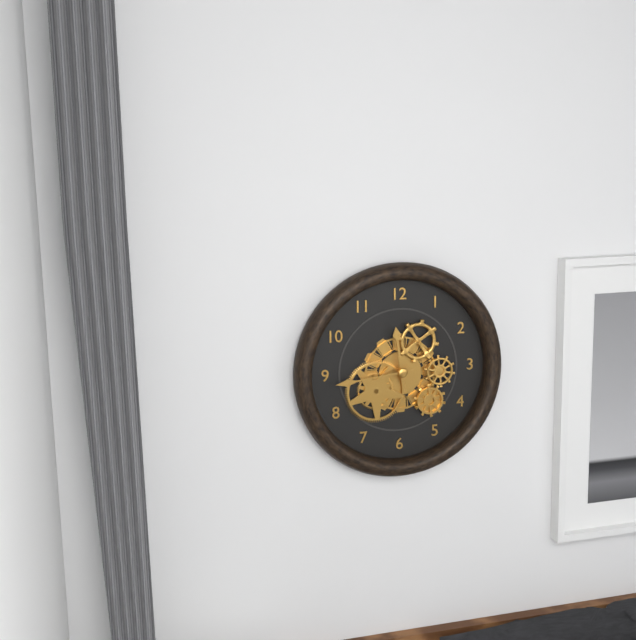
11,44
